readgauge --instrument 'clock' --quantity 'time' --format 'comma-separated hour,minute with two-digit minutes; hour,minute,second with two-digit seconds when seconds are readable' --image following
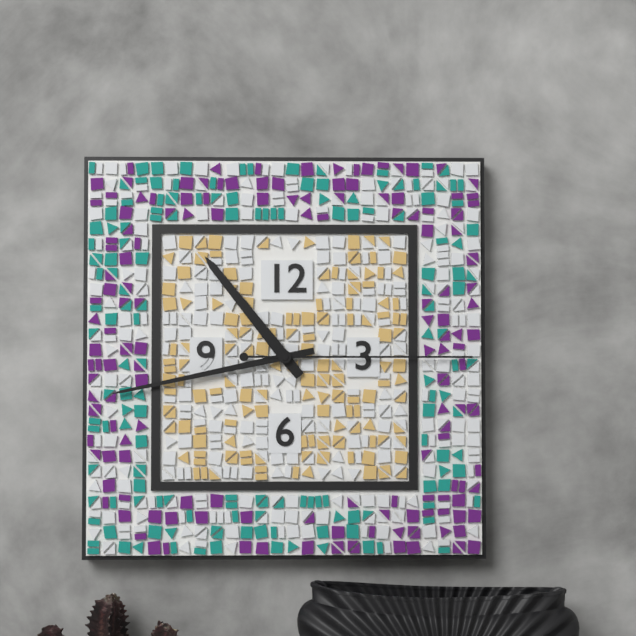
10,43,15
